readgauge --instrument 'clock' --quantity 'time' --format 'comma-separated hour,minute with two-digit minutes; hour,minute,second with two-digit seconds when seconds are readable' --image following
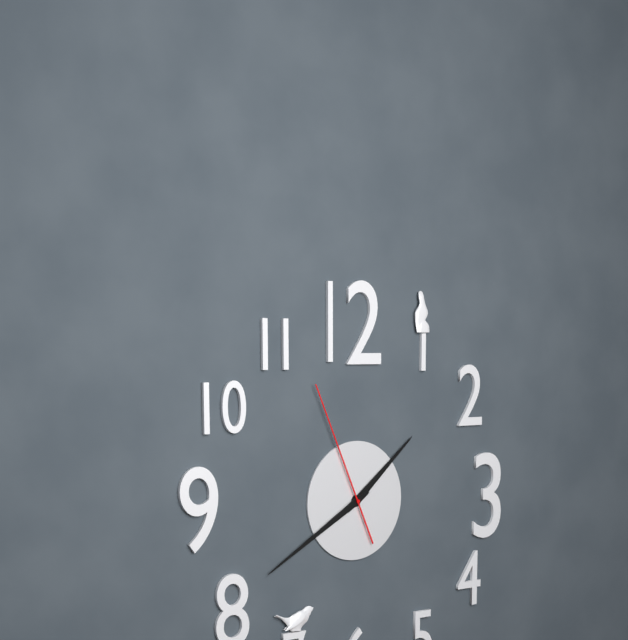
1,40,56
